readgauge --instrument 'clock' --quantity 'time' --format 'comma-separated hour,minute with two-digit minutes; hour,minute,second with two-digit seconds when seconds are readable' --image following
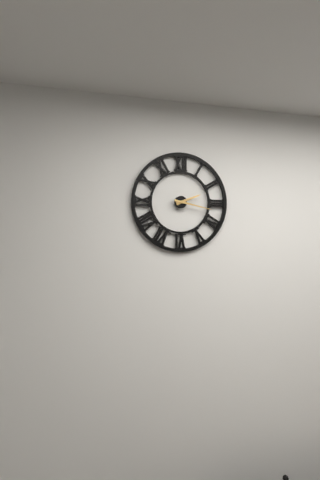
2,17
